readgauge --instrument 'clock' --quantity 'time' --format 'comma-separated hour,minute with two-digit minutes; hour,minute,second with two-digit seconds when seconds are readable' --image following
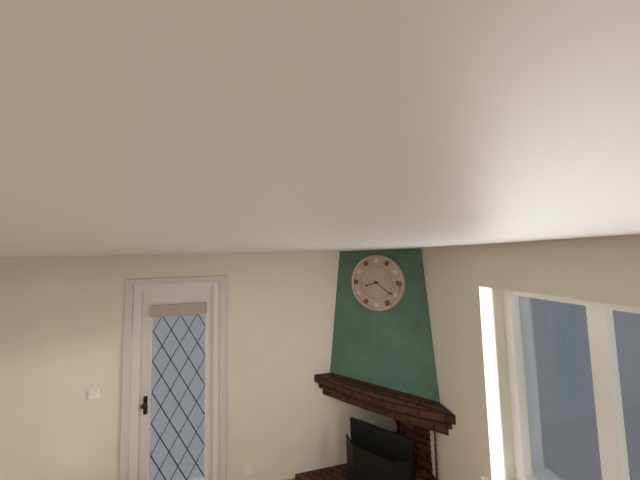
8,21
